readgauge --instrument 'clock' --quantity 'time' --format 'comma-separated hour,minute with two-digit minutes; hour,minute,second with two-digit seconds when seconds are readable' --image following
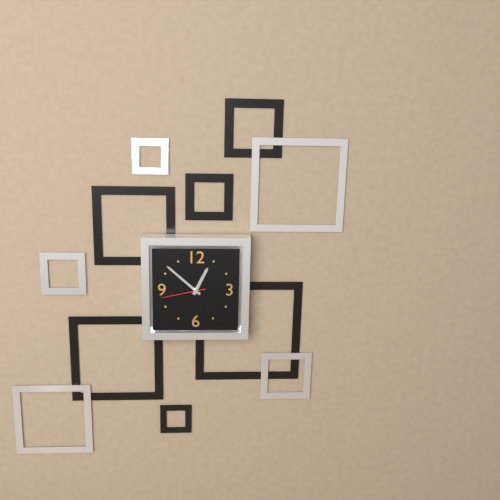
12,52
